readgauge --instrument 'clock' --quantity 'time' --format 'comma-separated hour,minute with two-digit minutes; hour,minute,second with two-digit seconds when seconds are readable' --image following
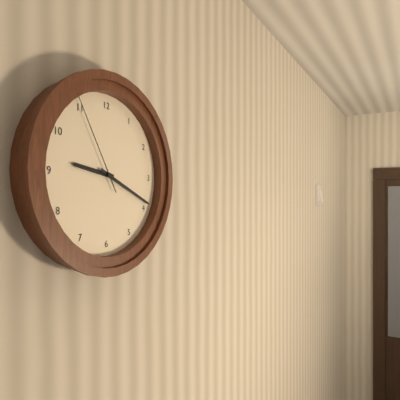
9,19,55
